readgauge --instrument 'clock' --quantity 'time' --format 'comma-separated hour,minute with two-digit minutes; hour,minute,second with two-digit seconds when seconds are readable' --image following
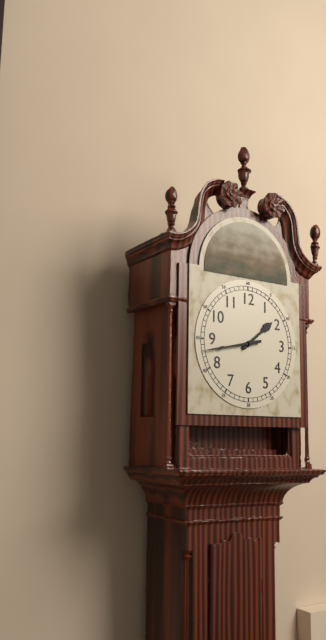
1,43
